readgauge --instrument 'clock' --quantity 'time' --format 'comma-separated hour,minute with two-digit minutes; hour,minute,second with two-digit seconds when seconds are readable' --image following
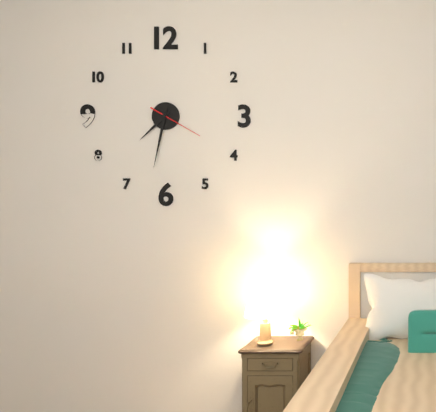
7,32
